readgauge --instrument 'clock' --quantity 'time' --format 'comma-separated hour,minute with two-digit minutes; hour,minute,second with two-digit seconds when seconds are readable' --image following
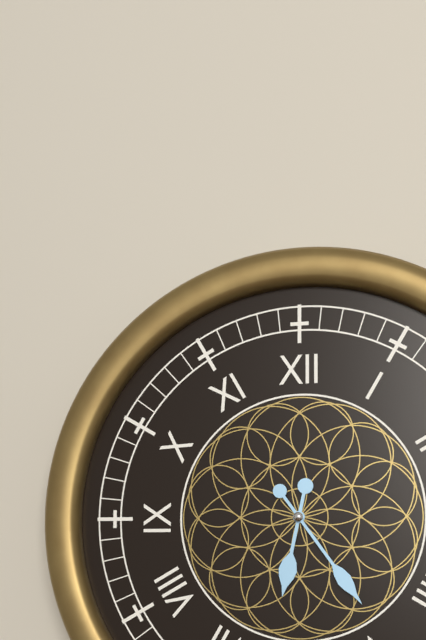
6,24
